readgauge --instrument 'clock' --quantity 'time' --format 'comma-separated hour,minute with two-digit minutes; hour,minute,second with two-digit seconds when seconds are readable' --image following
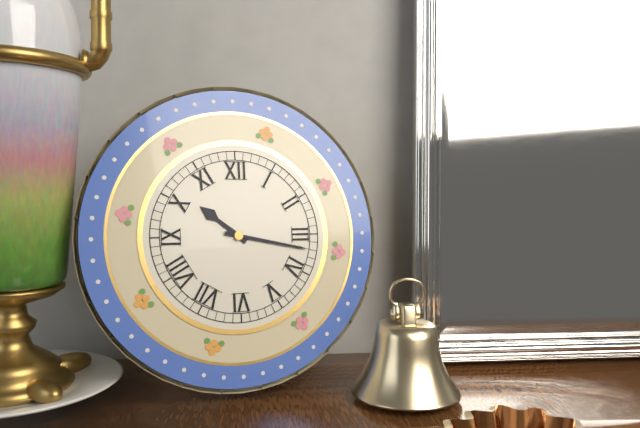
10,17
